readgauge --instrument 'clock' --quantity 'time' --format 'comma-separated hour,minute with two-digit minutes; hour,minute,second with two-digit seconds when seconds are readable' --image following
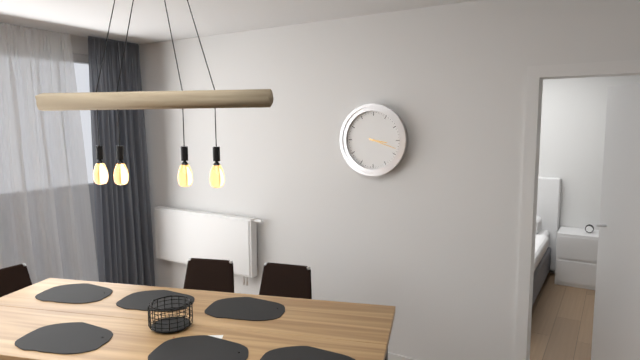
3,18
